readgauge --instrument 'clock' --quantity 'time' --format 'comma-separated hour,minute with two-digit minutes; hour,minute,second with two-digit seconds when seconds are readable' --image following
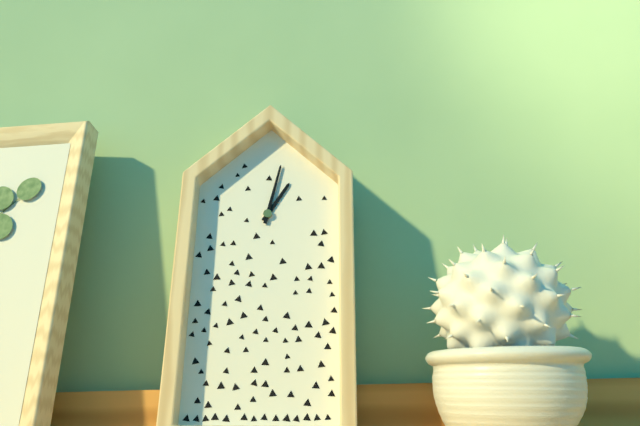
1,02
